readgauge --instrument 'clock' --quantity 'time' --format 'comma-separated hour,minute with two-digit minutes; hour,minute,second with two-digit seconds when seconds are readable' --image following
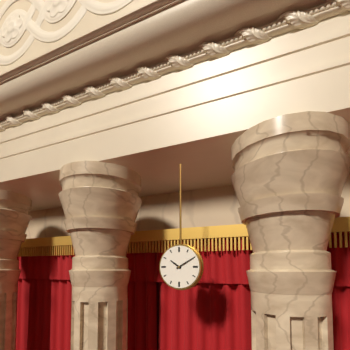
10,10
